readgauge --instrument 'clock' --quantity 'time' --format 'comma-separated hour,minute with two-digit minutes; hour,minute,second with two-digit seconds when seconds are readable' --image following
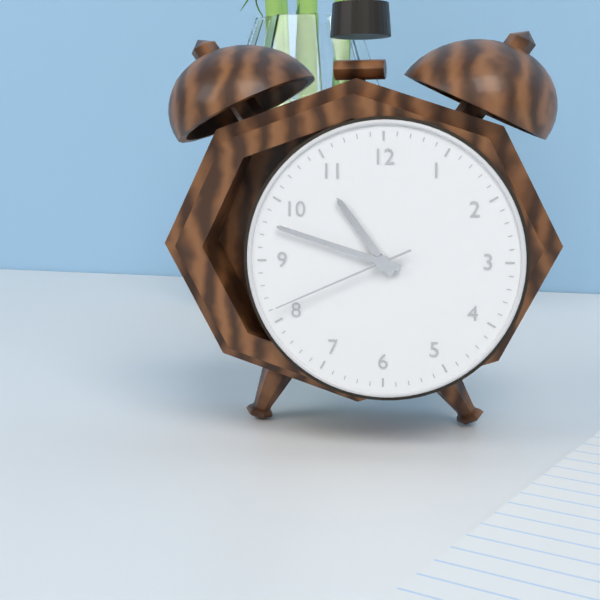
10,48,41
